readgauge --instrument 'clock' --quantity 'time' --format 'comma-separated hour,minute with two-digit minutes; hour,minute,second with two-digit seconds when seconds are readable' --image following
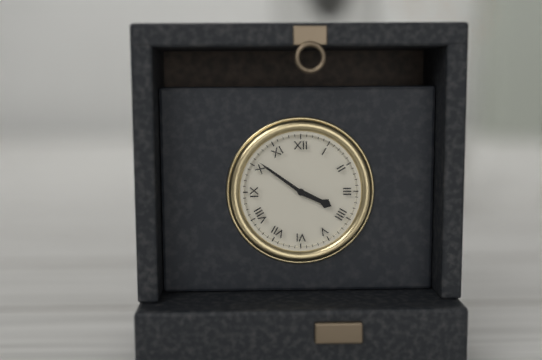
3,51
